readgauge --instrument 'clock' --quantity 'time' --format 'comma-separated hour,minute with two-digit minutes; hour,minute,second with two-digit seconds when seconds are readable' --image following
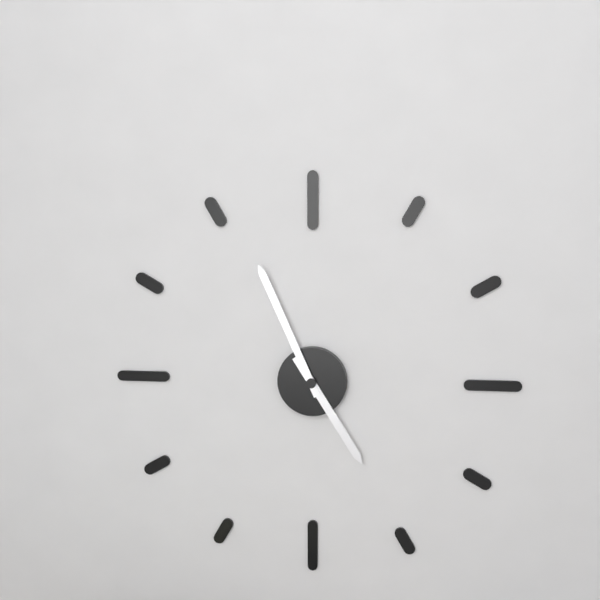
4,56
